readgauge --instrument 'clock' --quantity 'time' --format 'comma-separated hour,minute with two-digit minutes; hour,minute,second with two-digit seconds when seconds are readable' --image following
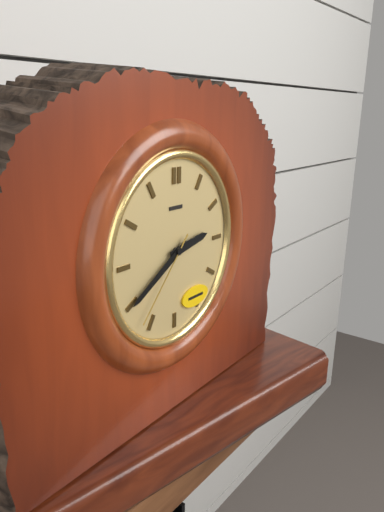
2,40,37
